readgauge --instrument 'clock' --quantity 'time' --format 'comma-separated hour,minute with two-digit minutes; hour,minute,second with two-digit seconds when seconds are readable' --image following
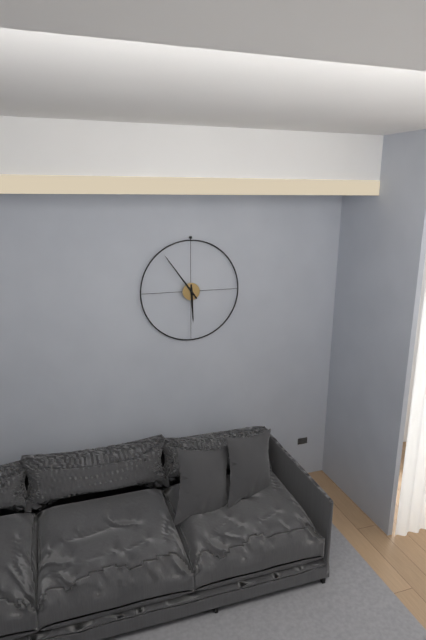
5,54
